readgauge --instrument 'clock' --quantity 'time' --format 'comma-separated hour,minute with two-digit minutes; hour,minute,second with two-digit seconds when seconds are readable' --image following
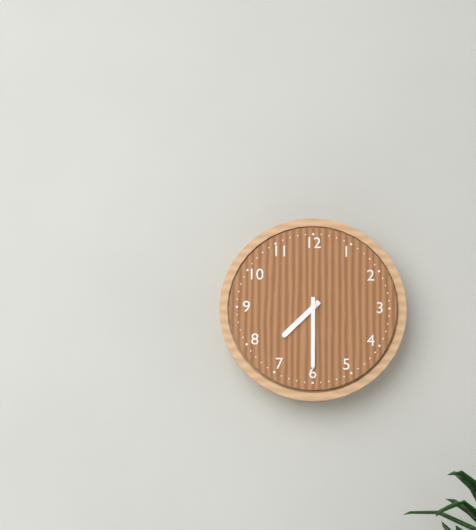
7,30
